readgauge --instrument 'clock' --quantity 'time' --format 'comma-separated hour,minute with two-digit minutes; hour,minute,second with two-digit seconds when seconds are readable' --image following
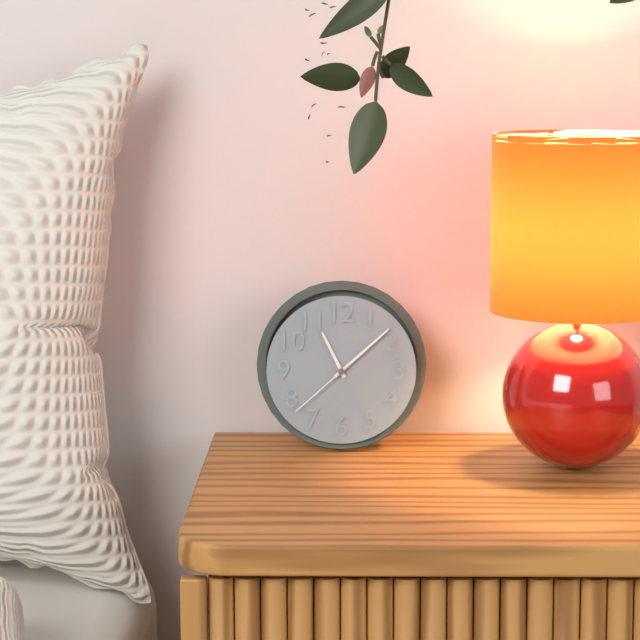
11,08,38
